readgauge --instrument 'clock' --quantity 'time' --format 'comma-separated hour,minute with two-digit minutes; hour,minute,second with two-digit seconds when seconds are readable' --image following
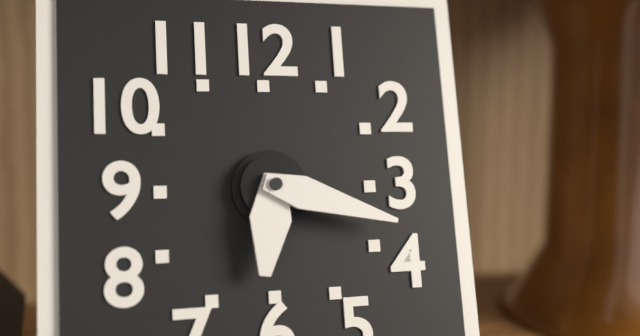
6,18
